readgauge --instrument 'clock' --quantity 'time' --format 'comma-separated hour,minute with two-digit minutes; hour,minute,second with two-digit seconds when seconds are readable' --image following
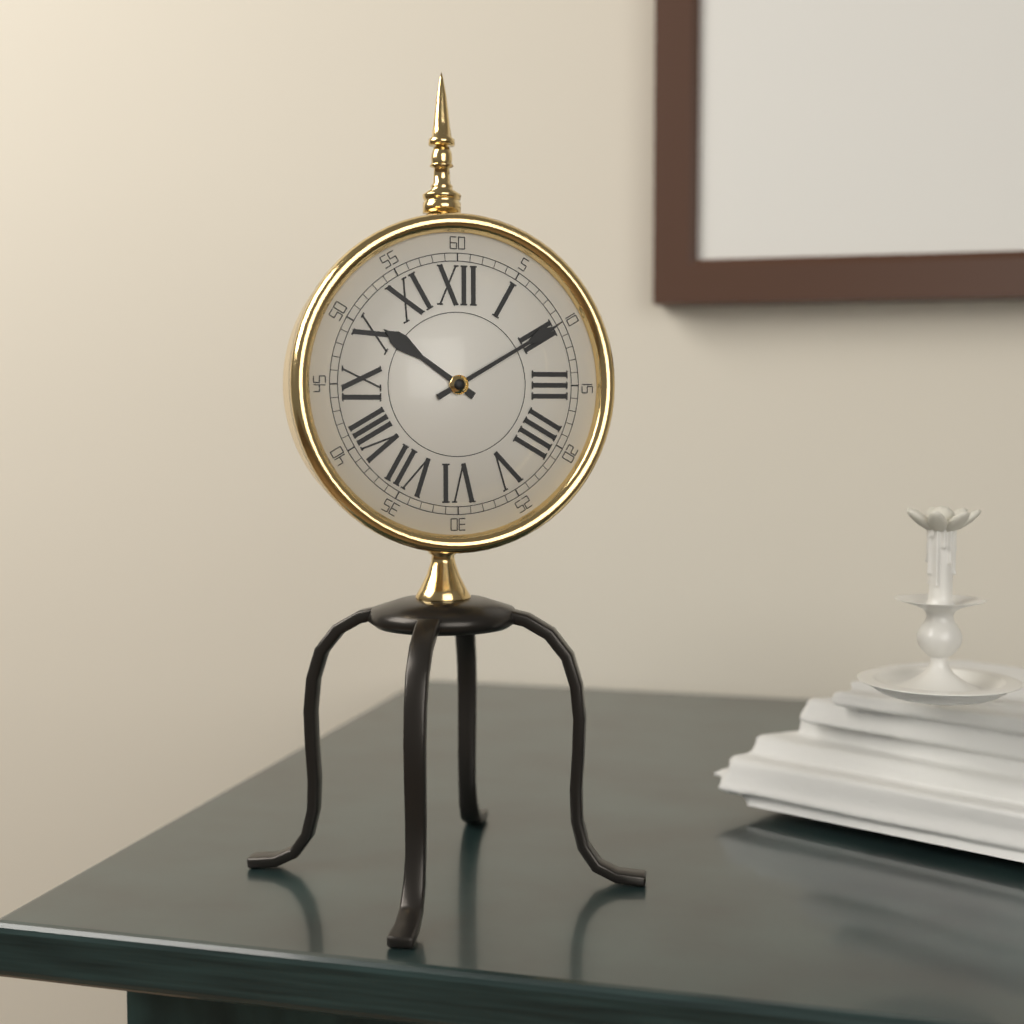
10,10
